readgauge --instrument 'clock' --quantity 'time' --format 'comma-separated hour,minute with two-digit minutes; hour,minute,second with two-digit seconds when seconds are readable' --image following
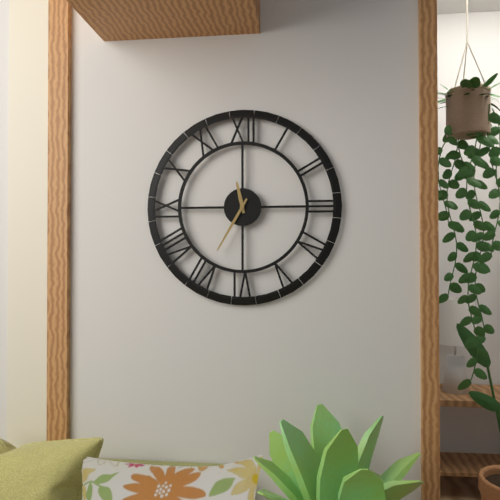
11,35
